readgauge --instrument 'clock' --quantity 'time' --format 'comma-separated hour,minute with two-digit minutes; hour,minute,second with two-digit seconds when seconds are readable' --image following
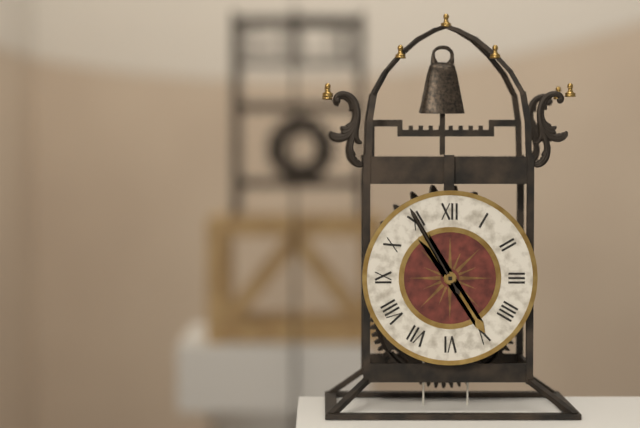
4,55
